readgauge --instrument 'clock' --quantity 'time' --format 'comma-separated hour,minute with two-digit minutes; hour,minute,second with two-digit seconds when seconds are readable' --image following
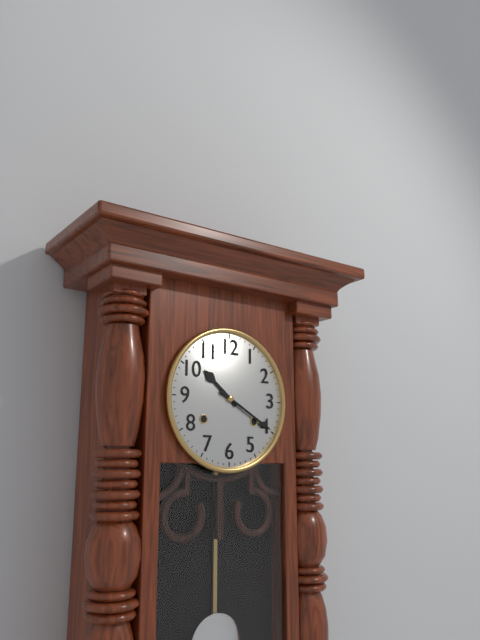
10,20
